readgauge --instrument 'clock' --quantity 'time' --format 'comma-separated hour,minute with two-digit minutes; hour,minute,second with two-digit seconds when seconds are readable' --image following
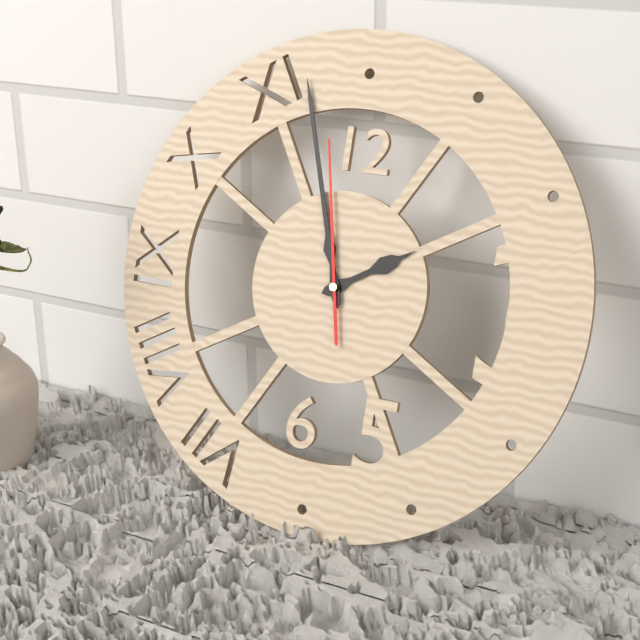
1,57,58
